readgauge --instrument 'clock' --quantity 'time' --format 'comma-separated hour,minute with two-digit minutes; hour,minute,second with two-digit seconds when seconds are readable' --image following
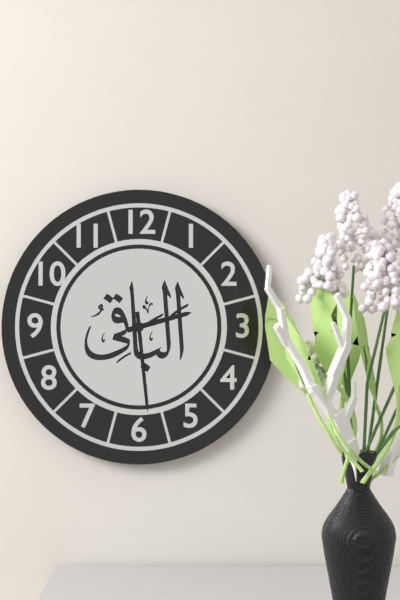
2,29
